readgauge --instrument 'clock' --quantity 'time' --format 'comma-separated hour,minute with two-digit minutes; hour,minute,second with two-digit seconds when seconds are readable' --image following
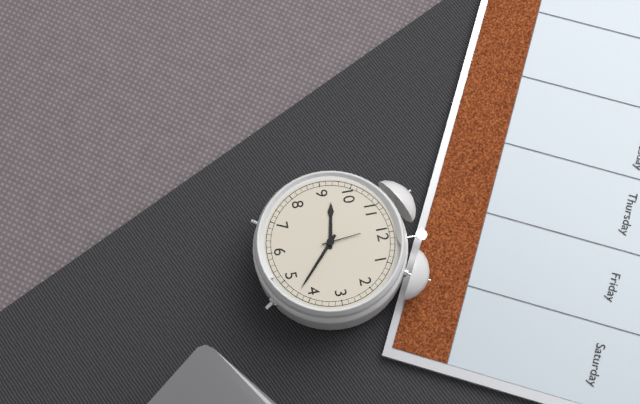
9,22
